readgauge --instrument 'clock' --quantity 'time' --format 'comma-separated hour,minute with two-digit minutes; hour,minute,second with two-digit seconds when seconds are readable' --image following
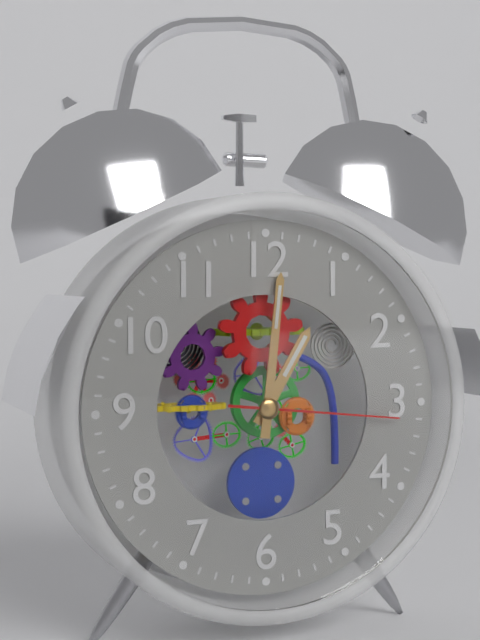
1,01,16
